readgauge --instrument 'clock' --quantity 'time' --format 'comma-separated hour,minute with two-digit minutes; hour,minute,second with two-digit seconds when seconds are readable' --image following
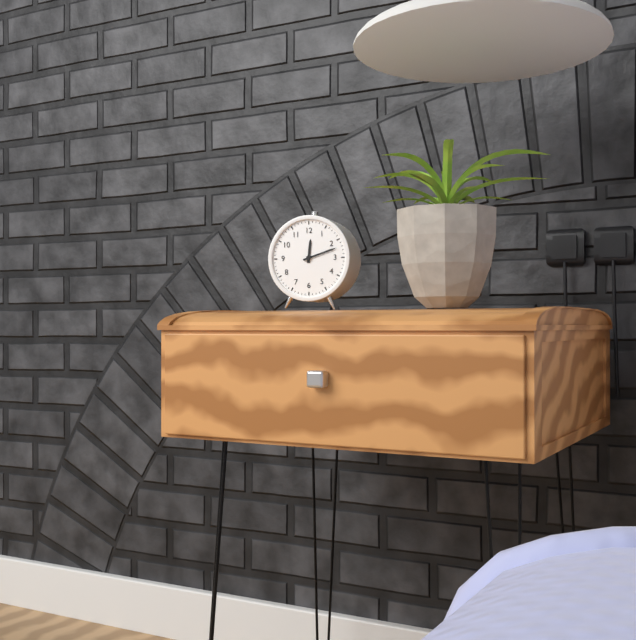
12,12
